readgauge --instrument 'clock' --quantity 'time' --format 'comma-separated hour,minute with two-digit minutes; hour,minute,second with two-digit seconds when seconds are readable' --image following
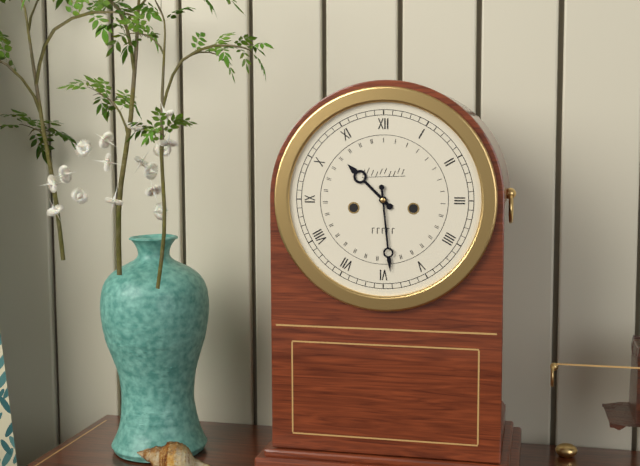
10,29
